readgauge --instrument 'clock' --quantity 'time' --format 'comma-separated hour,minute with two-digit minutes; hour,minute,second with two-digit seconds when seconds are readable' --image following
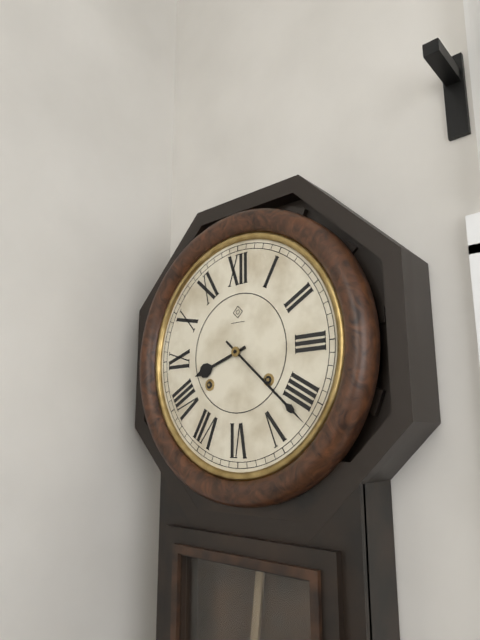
8,22
